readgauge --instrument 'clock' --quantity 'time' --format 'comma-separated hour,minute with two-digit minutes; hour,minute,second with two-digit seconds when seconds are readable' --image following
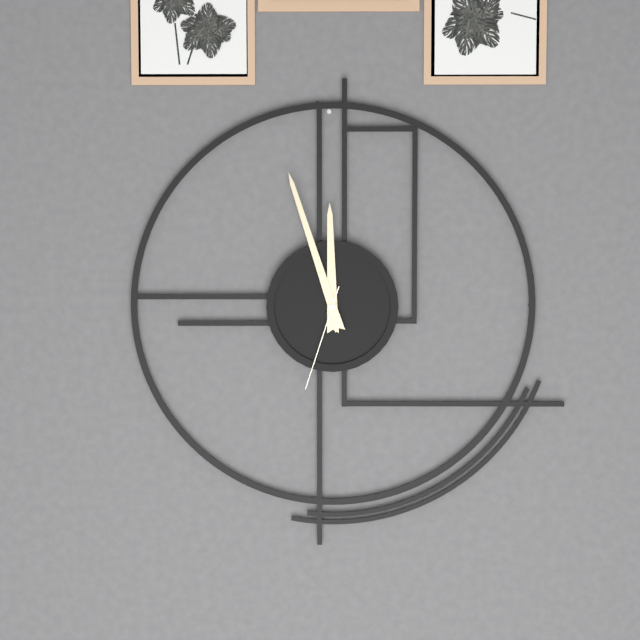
11,57,33
